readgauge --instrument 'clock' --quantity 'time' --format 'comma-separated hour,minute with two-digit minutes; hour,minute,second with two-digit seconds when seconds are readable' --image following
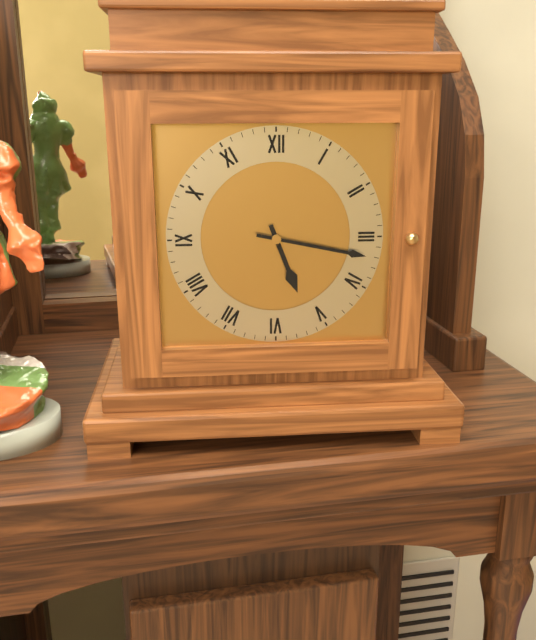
5,17
